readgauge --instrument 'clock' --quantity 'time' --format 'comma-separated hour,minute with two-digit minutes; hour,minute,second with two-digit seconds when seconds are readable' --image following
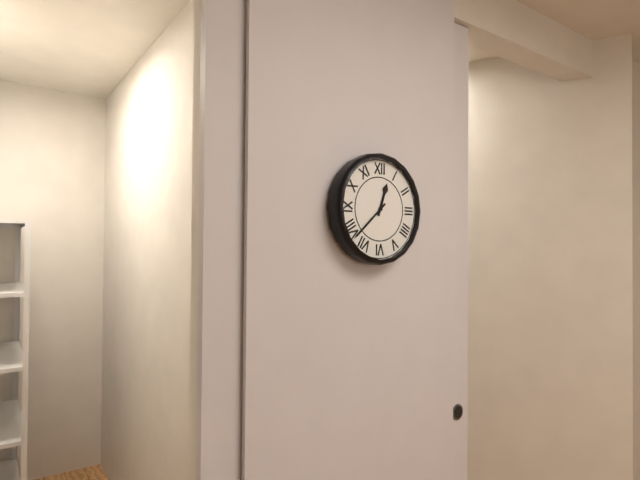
12,38
